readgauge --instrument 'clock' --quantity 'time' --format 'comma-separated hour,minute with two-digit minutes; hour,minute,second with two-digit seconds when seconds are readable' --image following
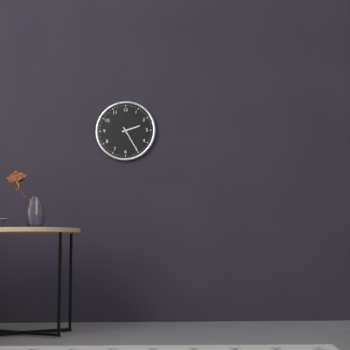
2,25
